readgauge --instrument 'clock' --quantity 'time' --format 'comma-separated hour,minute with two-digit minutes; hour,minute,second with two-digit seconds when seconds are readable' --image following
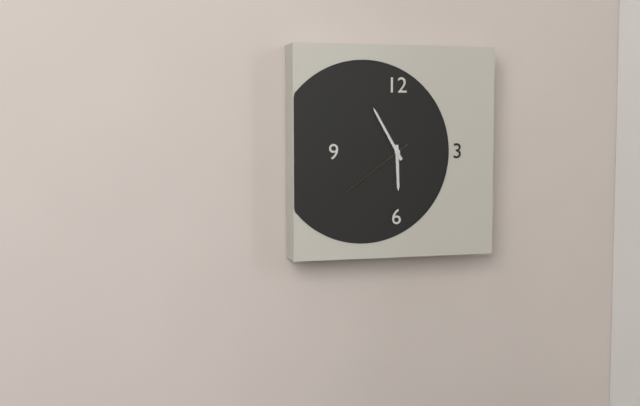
5,55,39
